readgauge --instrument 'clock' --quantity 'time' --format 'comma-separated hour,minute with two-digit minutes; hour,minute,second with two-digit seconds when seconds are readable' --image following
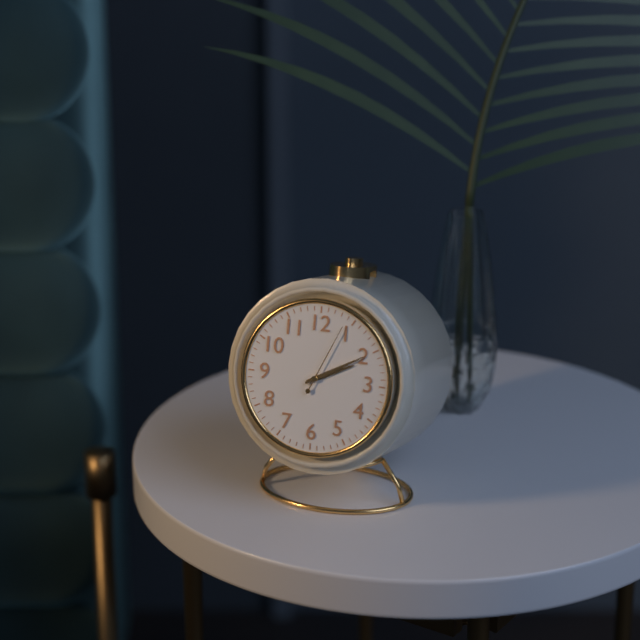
2,10,04
